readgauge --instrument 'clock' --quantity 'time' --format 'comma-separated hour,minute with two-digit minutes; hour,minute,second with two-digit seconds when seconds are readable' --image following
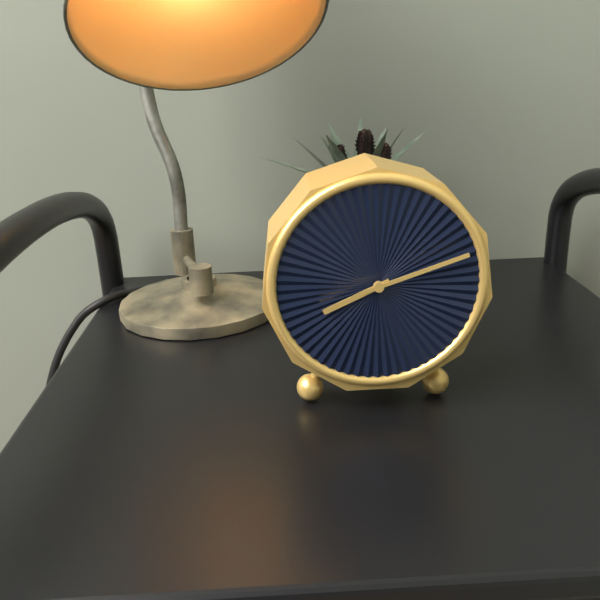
8,12
